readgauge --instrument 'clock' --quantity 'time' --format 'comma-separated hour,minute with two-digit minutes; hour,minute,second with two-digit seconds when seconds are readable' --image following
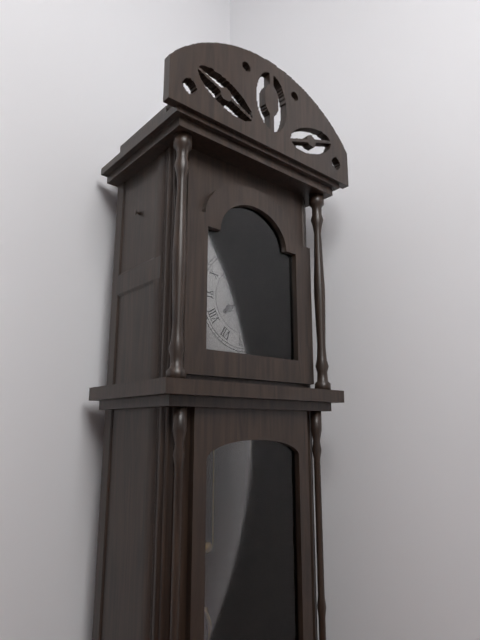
7,58
